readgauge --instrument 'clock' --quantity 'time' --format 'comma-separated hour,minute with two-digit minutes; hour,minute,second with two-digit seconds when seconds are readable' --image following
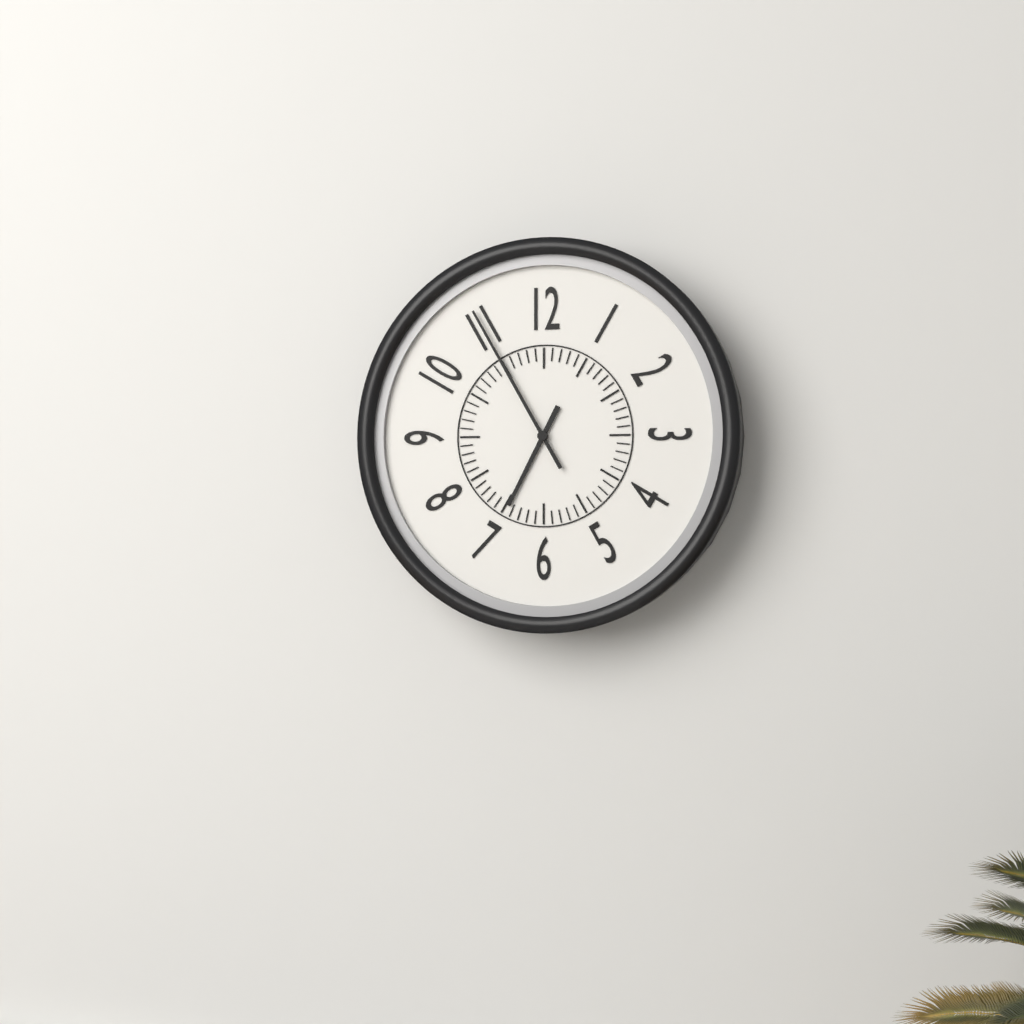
6,55
